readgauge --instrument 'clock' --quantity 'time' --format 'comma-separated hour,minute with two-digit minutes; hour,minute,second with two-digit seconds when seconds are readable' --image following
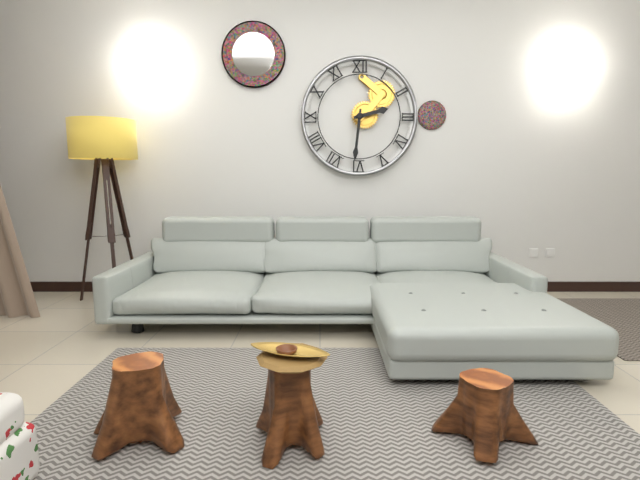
2,31
